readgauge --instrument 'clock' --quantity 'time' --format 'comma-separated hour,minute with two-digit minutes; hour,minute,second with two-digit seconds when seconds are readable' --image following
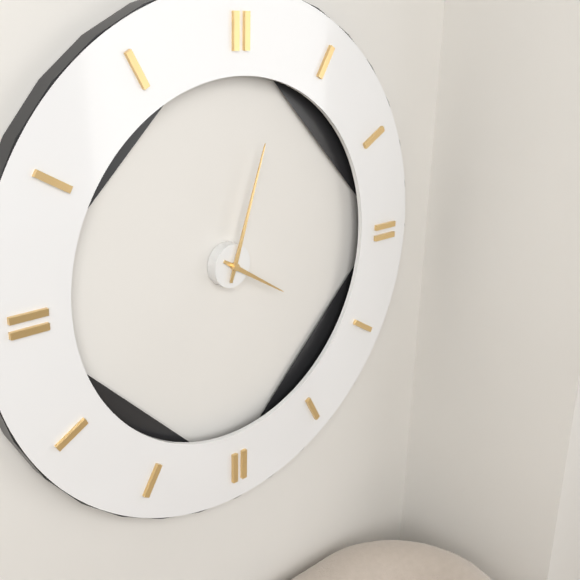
4,03
